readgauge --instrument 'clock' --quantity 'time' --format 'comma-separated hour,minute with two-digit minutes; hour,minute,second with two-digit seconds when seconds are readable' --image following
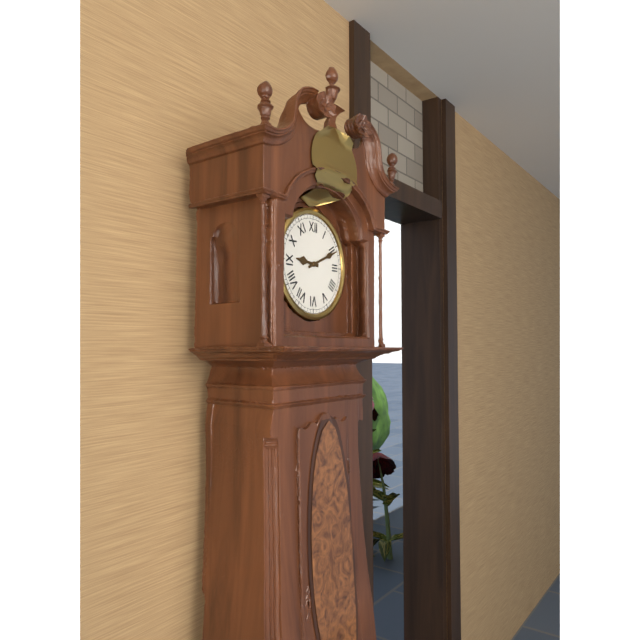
9,11
